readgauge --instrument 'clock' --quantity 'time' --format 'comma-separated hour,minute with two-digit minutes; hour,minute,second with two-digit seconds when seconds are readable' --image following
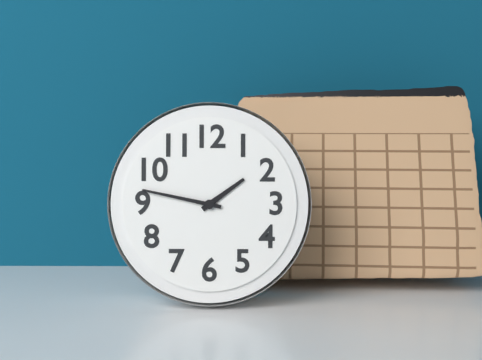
1,47
